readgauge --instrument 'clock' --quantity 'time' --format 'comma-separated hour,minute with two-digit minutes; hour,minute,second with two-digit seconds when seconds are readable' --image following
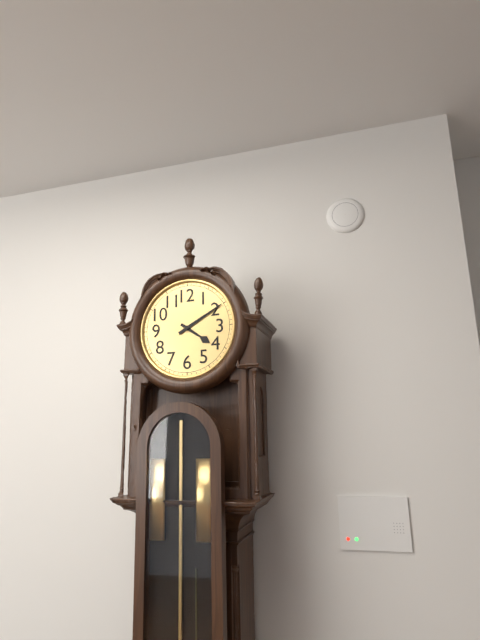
4,10
